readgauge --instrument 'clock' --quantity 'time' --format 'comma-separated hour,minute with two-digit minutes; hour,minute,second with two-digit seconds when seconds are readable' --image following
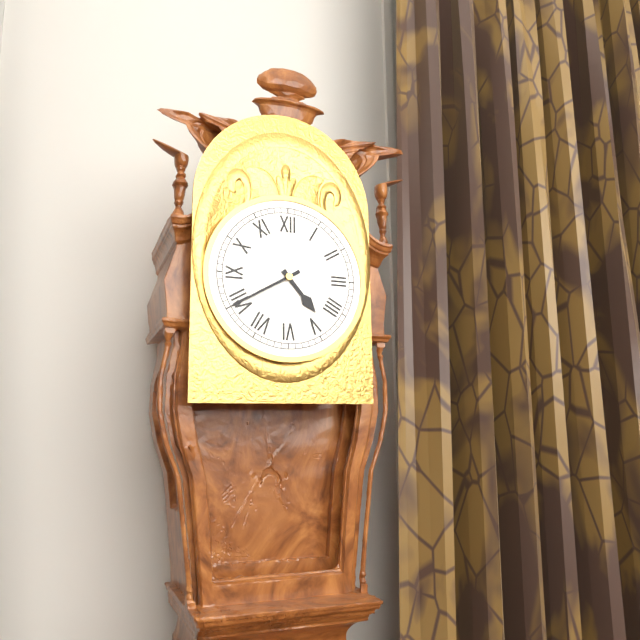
4,40
